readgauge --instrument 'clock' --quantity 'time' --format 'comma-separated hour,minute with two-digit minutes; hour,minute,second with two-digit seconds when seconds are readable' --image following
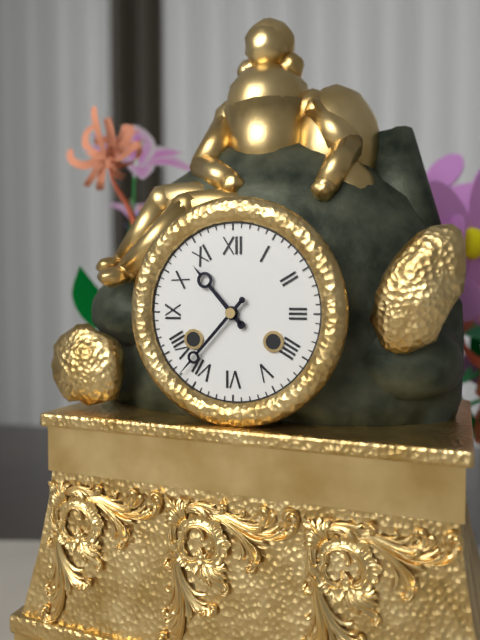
10,37
